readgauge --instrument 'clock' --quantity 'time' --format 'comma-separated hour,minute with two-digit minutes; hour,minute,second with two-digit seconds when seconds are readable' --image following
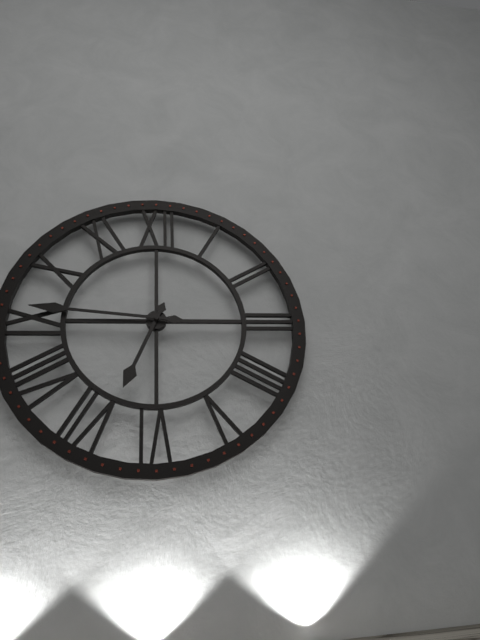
6,46
